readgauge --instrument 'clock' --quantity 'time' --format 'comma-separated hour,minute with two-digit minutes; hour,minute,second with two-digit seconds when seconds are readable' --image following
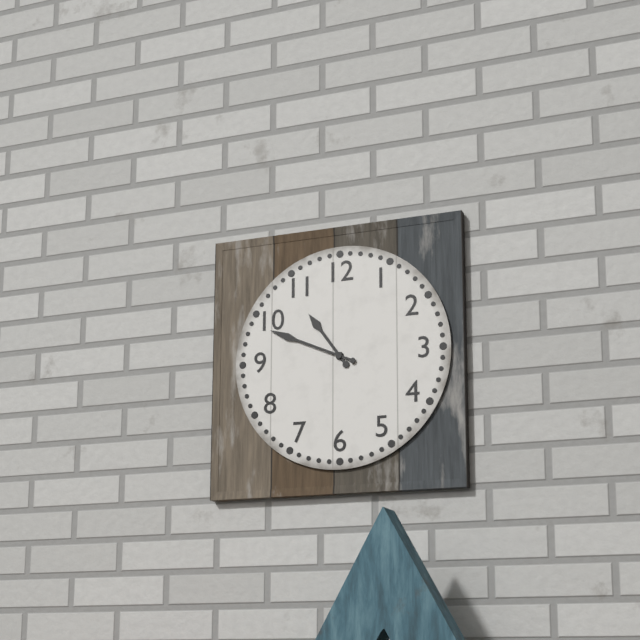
10,49
